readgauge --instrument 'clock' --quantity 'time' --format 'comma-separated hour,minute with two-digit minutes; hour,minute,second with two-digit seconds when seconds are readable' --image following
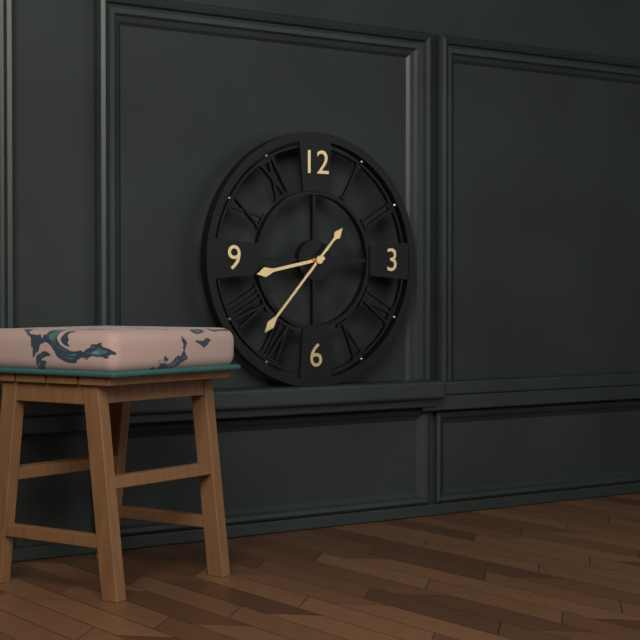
8,37
